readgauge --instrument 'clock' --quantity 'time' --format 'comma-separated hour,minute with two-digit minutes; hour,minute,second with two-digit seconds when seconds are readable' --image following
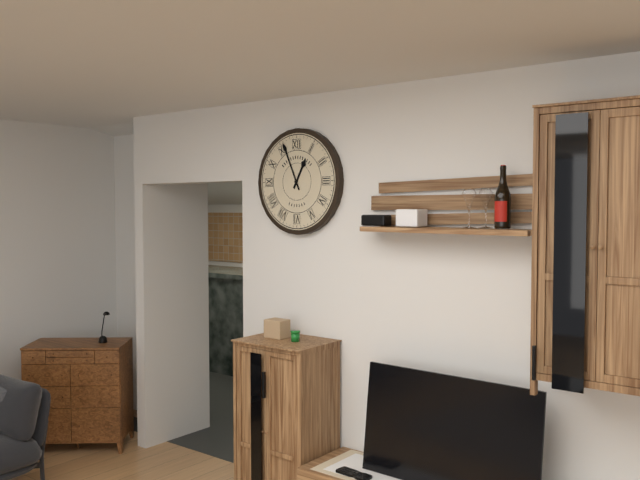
12,56
